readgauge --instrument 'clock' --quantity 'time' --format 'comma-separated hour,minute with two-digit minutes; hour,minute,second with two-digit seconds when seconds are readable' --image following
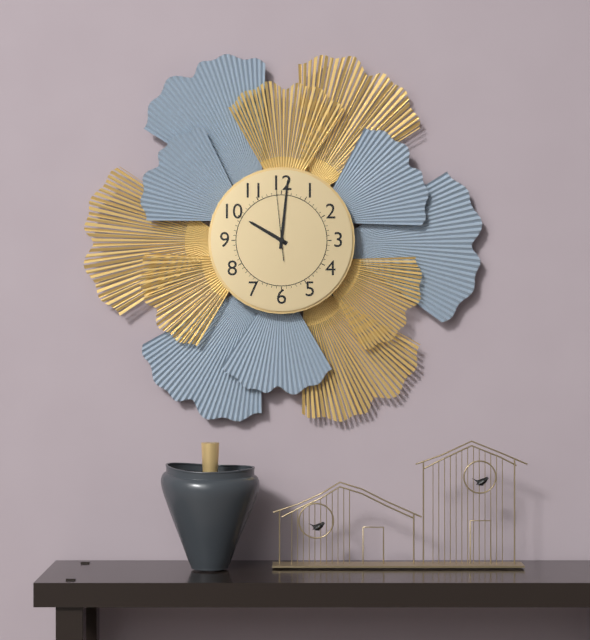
10,01,59
